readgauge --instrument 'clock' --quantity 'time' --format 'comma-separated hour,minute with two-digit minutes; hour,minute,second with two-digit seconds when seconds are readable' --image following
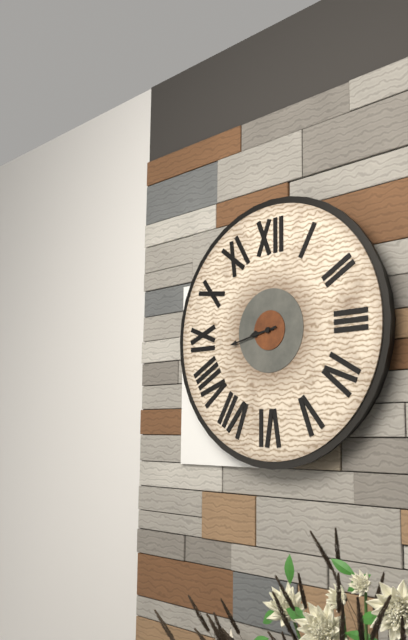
8,43
